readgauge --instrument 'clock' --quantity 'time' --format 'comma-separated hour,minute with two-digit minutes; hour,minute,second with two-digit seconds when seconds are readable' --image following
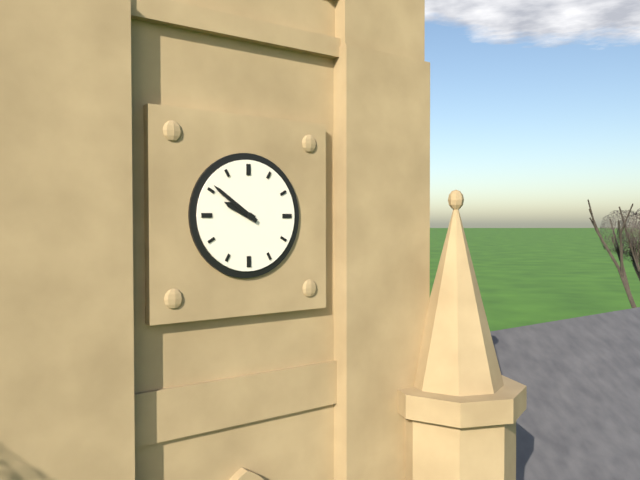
9,51
